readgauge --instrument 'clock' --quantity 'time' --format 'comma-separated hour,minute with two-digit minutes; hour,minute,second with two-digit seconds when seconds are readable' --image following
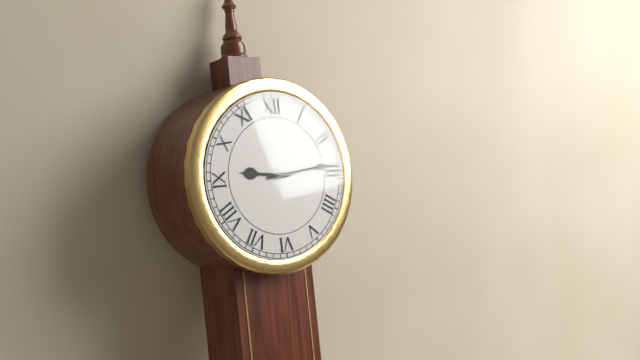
9,14
